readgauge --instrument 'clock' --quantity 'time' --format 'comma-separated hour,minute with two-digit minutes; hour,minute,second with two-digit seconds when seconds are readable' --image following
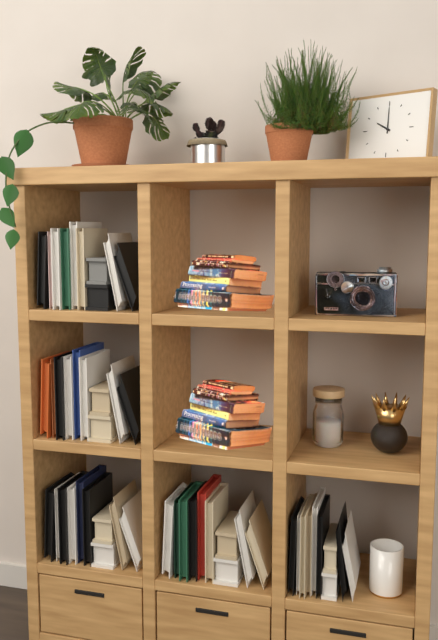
10,00
